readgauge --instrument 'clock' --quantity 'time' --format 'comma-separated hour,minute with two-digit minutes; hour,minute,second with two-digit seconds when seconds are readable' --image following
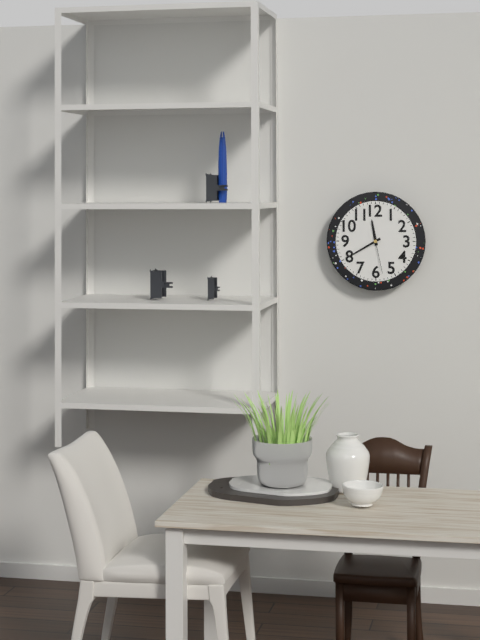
11,40
